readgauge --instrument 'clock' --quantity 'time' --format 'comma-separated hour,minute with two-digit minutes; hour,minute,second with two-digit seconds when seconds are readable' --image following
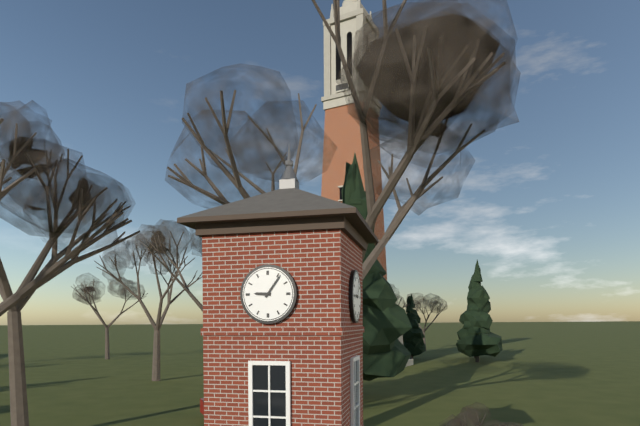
9,06
